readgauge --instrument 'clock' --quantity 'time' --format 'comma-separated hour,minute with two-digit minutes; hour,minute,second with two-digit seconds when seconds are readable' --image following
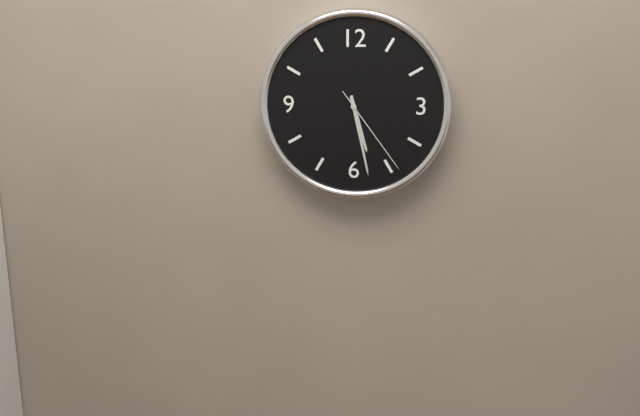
5,28,24
